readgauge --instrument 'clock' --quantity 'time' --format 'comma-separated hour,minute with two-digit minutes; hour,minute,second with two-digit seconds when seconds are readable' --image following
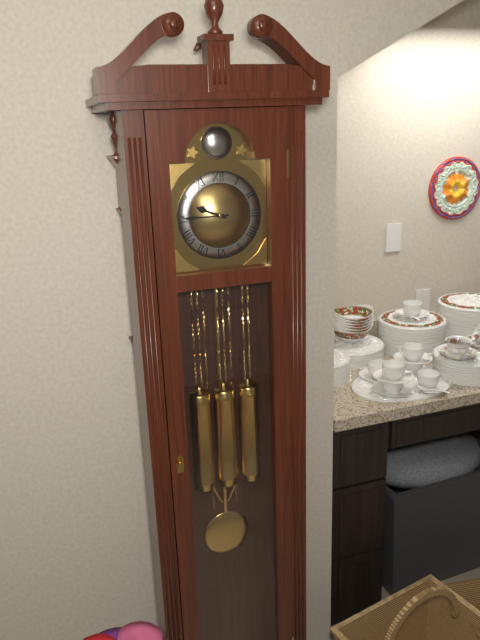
9,45
